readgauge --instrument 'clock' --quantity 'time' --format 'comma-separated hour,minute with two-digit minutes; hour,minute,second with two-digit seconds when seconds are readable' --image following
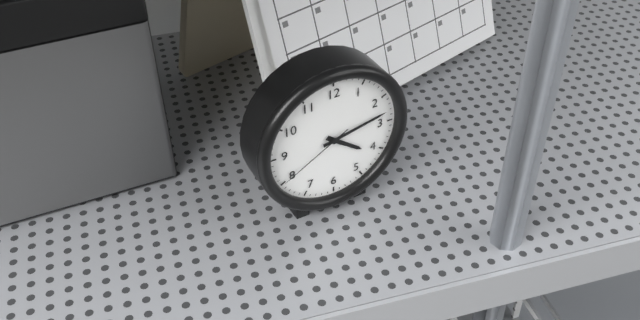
4,13,40
